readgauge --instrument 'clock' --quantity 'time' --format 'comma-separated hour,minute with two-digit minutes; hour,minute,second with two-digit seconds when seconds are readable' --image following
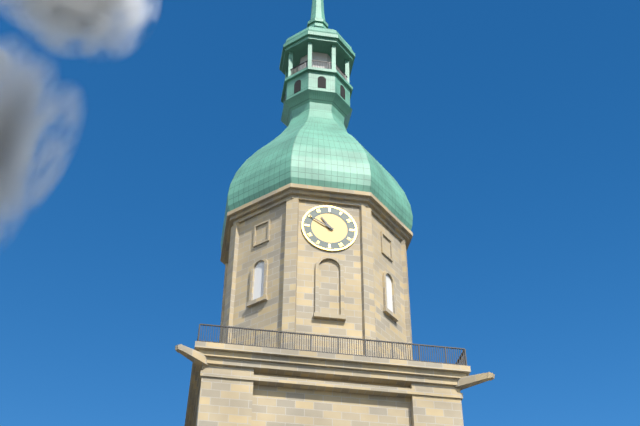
10,50
